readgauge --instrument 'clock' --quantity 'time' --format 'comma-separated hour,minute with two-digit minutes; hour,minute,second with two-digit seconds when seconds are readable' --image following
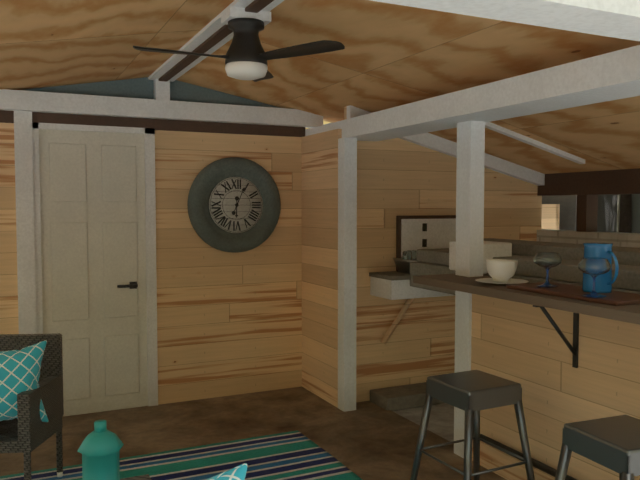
6,04
